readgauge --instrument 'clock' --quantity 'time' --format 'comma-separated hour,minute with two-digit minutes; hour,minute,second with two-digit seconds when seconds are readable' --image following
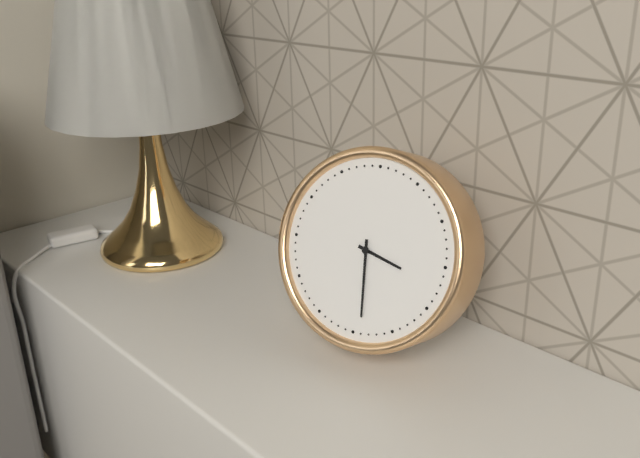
3,29
